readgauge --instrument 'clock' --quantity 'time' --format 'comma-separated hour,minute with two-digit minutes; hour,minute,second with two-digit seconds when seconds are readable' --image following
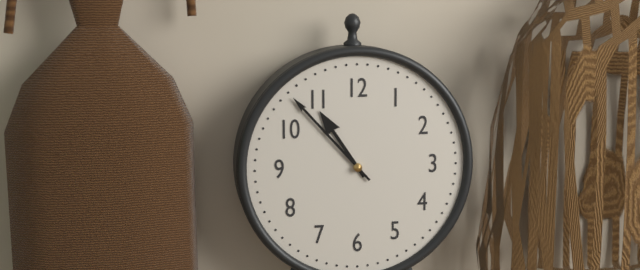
10,53
